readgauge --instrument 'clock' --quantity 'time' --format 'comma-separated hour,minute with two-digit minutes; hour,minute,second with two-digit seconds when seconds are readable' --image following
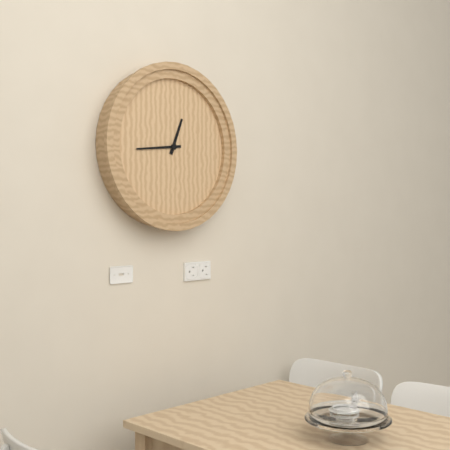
12,44
